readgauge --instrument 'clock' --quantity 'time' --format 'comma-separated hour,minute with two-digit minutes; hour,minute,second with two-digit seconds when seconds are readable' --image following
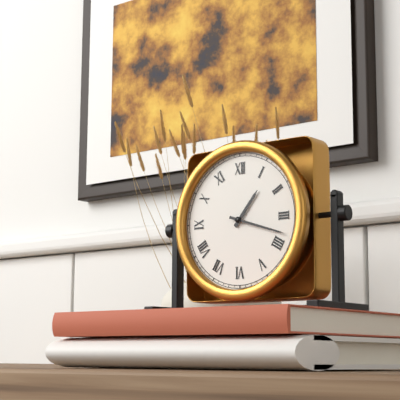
1,18
